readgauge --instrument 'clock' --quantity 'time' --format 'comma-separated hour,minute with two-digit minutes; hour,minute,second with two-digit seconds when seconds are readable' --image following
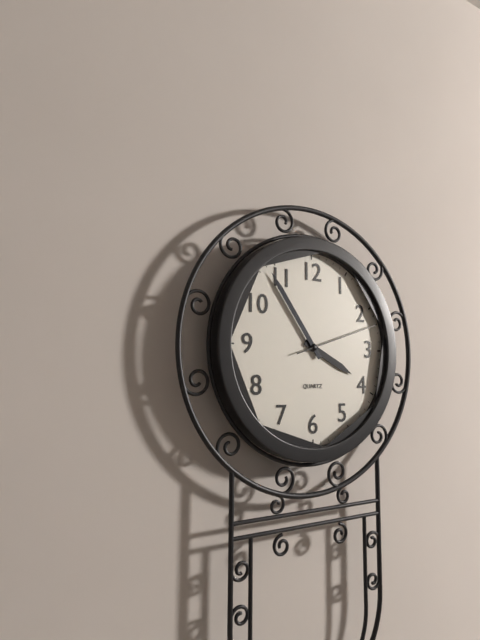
3,54,12
